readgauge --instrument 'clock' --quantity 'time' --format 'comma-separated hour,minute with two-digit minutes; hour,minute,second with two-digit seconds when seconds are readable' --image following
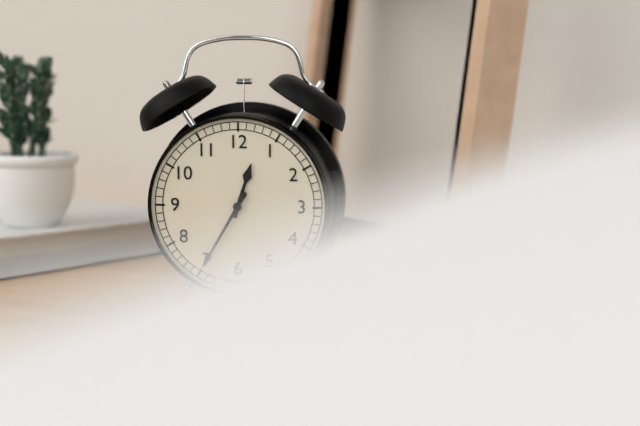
12,35
